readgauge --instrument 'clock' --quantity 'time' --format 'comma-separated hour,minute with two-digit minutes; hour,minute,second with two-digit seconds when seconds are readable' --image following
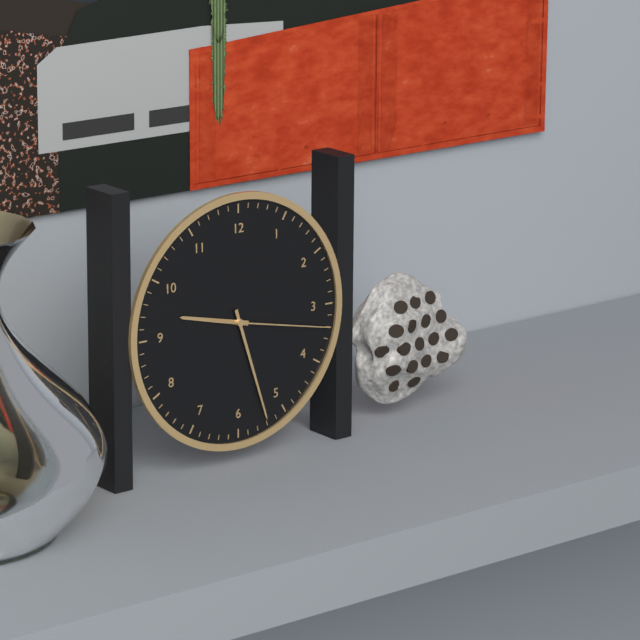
9,27,17
